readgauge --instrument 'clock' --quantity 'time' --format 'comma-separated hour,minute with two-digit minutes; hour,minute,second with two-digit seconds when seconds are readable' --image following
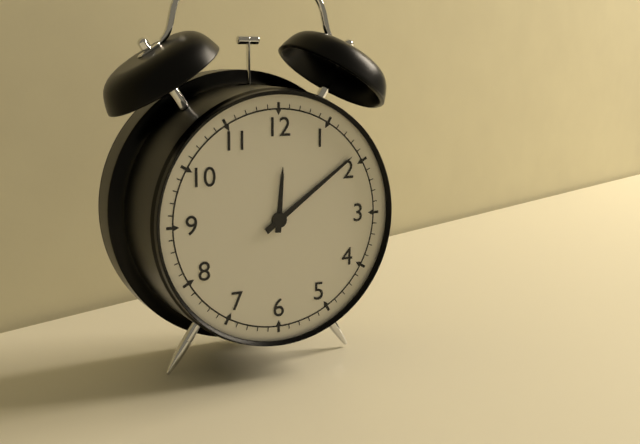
12,09
